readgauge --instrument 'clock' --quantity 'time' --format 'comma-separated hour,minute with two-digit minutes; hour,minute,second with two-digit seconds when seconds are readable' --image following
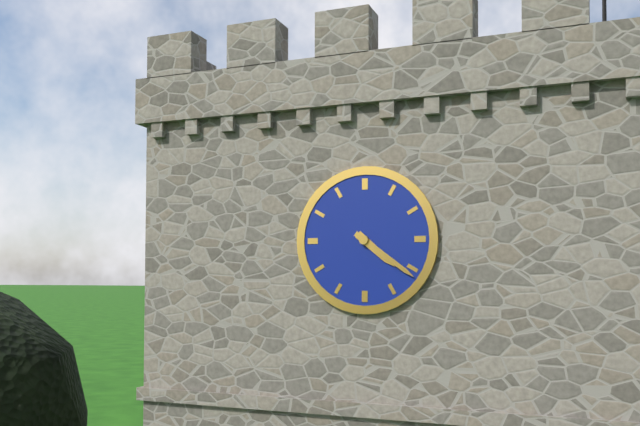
4,21
